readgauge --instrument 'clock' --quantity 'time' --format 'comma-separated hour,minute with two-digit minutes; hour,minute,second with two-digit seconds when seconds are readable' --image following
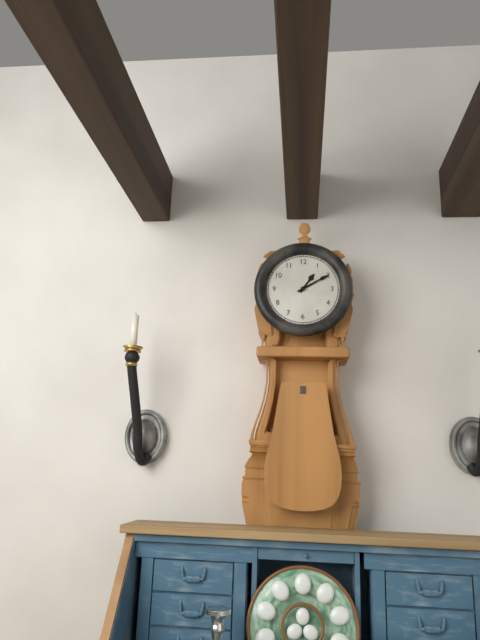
1,10
